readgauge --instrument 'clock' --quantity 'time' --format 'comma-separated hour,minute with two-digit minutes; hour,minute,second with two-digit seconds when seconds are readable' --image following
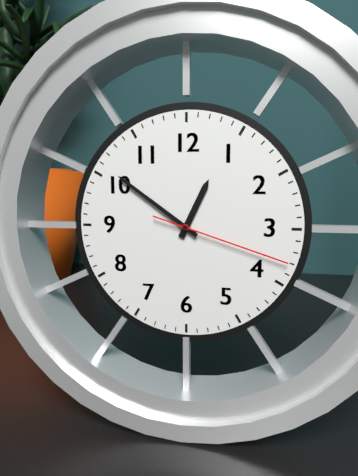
12,51,18
